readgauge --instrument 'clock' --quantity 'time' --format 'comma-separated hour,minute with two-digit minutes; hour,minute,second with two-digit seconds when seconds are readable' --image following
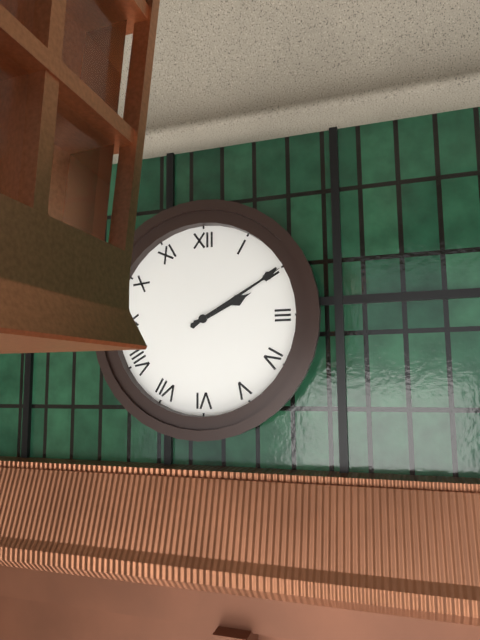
2,10
